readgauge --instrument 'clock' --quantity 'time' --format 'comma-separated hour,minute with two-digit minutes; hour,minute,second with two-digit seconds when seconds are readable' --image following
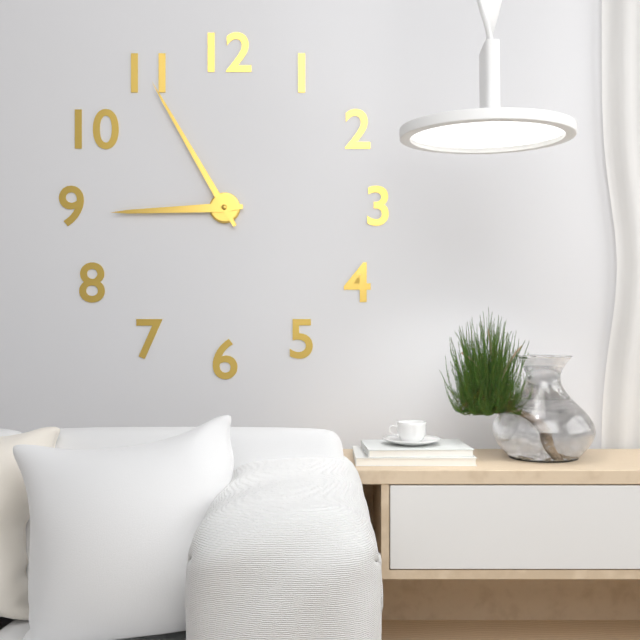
8,55
